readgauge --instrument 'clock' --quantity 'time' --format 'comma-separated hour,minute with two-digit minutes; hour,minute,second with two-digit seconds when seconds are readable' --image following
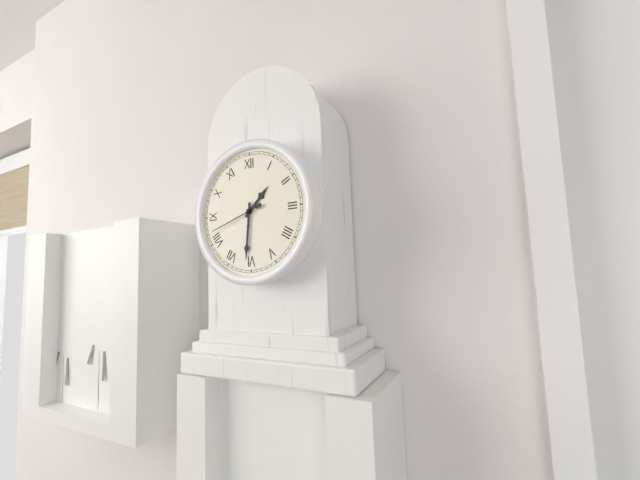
1,31,42
